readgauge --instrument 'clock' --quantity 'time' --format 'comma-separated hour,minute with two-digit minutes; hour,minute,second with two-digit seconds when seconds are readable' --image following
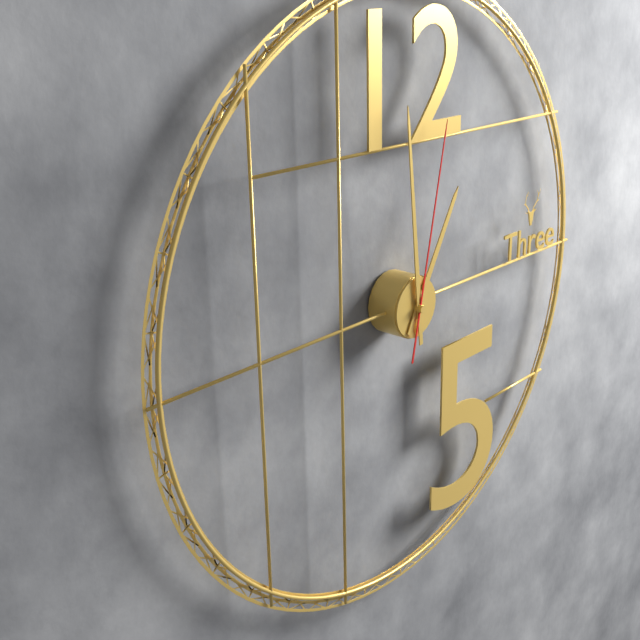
12,59,02
